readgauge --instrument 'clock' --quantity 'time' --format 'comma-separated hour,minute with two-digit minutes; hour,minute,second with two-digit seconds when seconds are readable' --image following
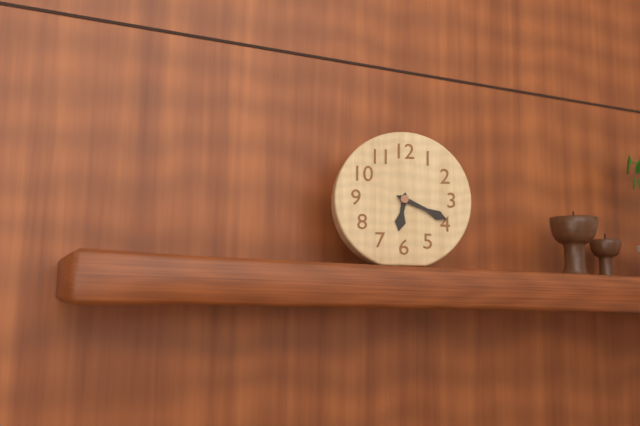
6,19
